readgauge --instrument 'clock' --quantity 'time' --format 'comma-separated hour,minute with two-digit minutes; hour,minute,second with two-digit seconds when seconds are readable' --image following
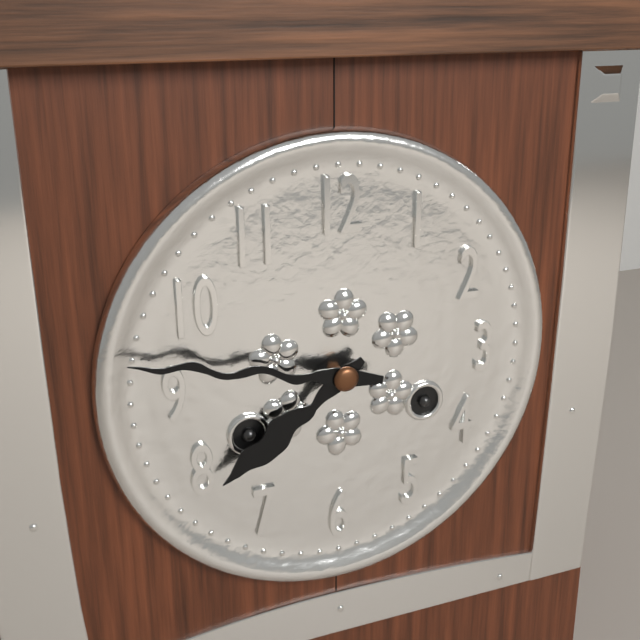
7,47
